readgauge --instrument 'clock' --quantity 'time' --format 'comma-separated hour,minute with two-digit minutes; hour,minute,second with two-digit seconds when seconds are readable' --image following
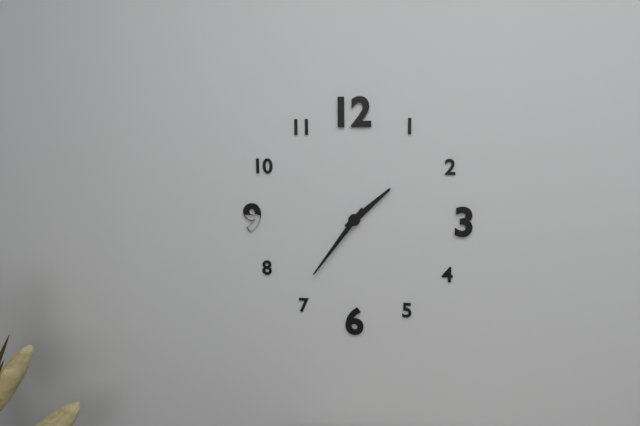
1,36
